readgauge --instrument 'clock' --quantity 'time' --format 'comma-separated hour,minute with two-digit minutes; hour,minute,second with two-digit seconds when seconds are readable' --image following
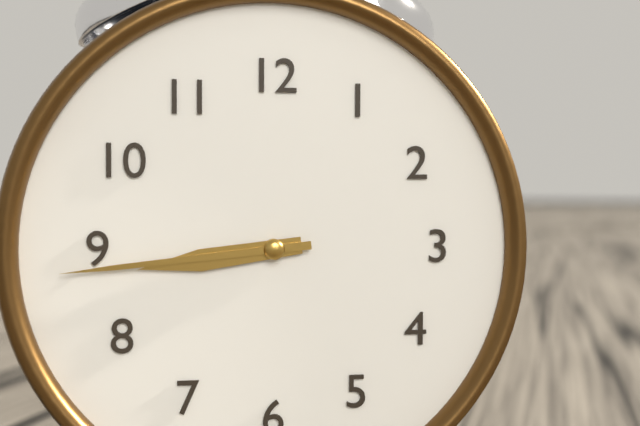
8,44
